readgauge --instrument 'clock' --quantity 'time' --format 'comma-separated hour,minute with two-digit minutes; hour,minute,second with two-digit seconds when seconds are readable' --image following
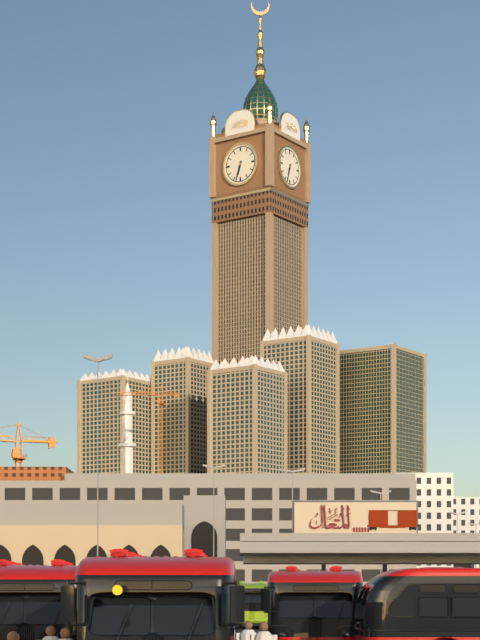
6,33
